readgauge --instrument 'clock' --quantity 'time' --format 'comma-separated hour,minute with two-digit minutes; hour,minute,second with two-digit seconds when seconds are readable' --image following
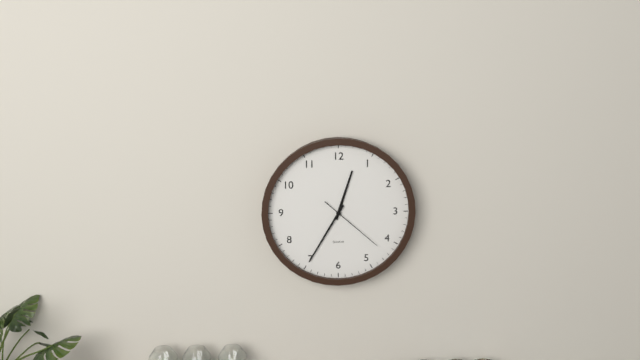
12,35,22
